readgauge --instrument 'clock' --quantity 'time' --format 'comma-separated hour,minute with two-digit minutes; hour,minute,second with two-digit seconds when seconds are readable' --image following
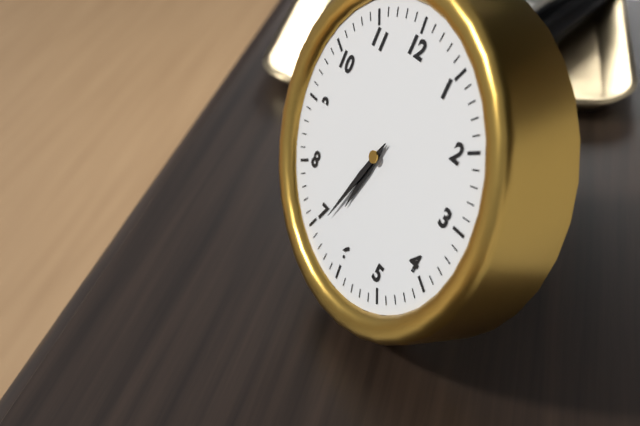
6,34
